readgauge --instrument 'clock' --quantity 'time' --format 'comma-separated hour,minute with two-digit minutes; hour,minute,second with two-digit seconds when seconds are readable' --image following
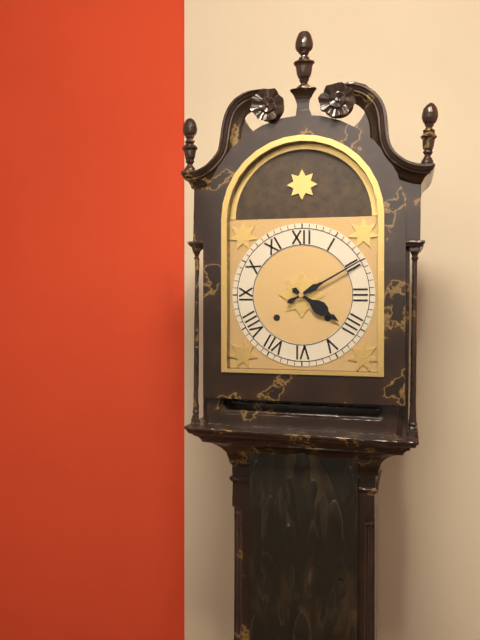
4,10
